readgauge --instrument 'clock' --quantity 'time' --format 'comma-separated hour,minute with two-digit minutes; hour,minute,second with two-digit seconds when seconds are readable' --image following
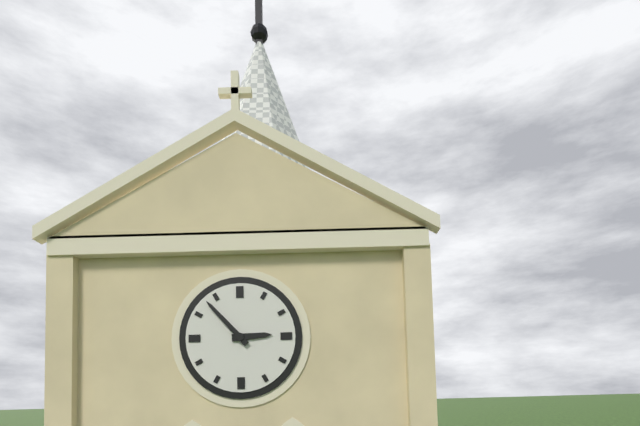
2,53
